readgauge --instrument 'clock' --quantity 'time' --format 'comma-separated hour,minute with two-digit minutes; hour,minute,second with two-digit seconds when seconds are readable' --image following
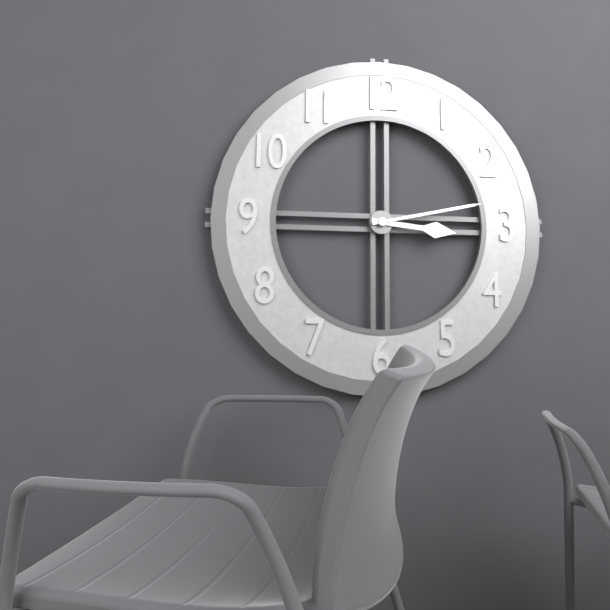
3,13
